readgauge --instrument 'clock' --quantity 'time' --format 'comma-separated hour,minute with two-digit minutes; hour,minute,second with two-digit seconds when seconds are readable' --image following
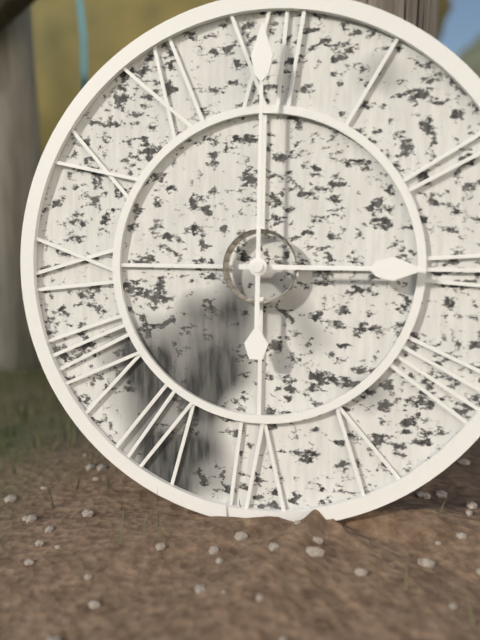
3,00
